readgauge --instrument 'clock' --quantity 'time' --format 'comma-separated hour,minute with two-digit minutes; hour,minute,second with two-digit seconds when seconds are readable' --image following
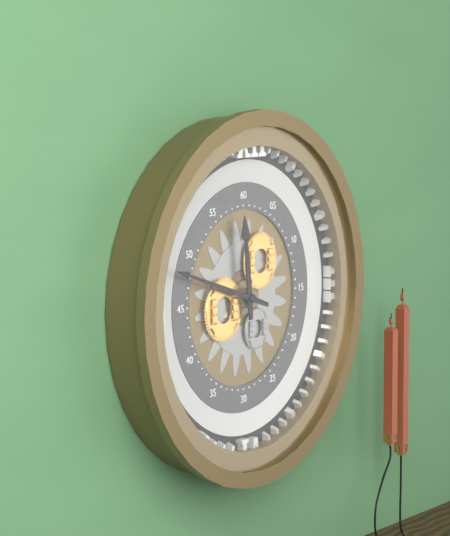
11,48
